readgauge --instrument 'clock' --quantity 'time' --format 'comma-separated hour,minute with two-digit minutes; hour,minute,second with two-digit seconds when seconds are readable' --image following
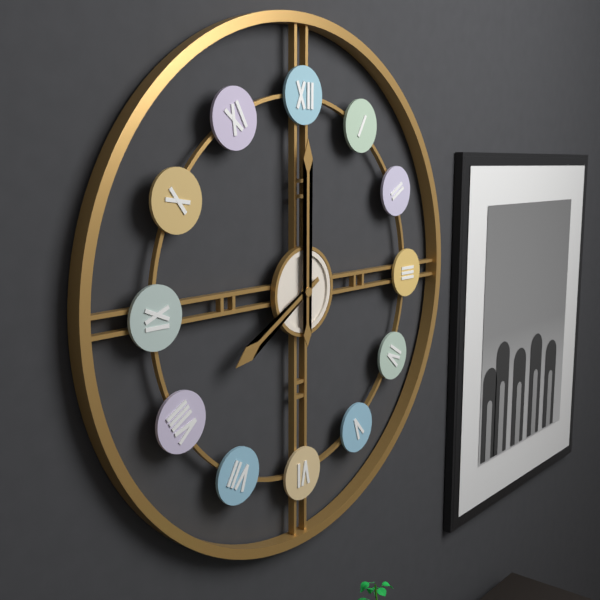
8,00
